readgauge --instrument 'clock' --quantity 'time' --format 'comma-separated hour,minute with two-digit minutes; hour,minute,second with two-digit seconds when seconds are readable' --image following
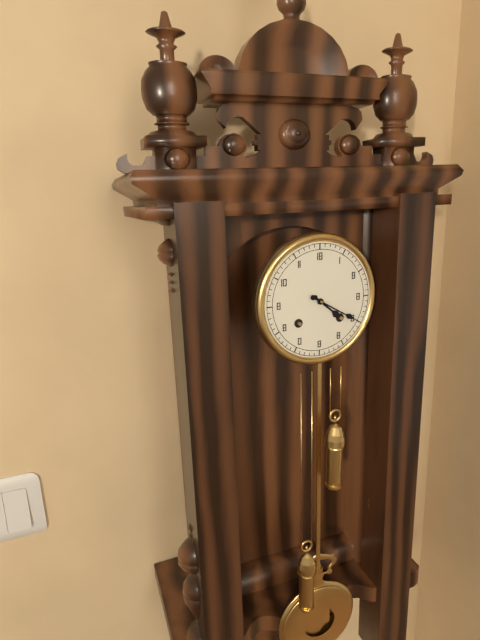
4,20
